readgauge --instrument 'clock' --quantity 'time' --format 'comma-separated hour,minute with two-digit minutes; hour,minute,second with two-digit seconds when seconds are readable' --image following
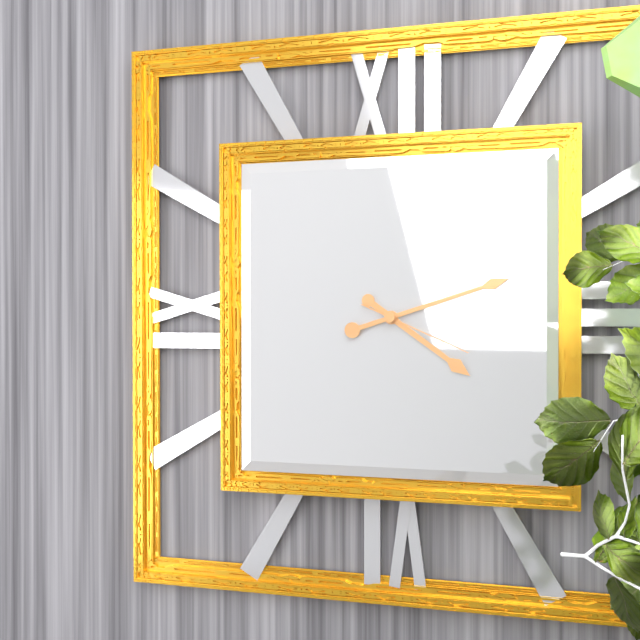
4,12,19
